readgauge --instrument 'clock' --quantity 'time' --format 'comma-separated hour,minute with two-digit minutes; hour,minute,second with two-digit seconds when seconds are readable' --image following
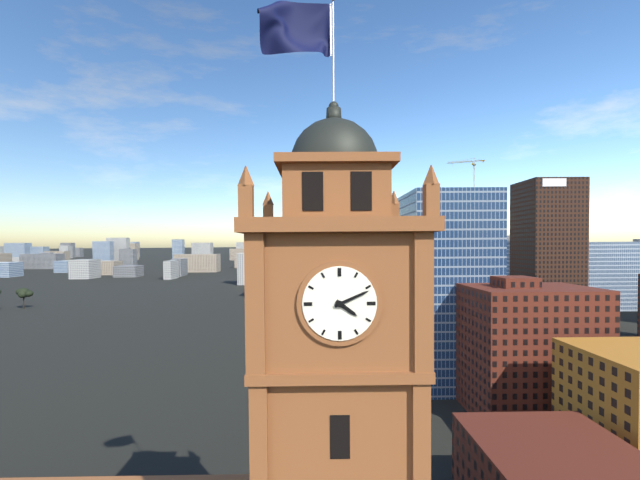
4,11
